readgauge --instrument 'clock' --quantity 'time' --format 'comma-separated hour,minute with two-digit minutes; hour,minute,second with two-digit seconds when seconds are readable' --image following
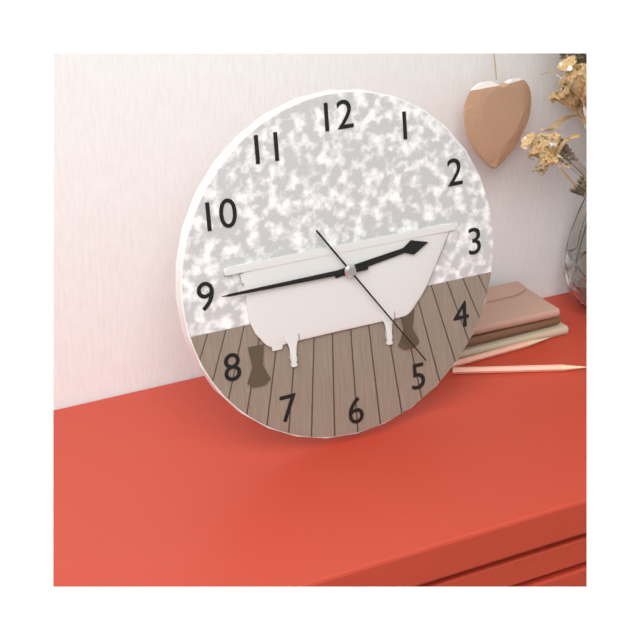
2,45,24
